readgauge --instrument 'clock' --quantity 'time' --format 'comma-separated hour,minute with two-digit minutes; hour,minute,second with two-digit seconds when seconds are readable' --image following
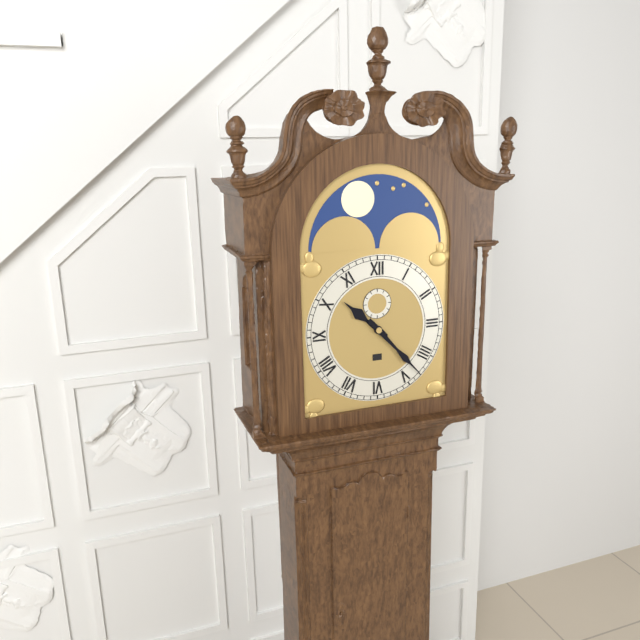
10,23
